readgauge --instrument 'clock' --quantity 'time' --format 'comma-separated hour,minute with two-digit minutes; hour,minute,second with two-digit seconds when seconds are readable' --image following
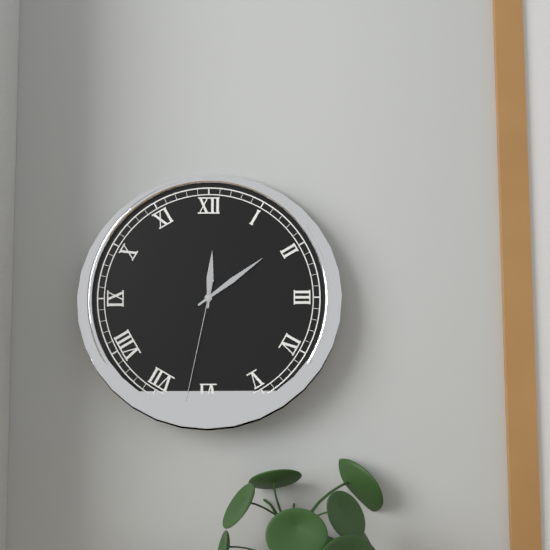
12,09,32
